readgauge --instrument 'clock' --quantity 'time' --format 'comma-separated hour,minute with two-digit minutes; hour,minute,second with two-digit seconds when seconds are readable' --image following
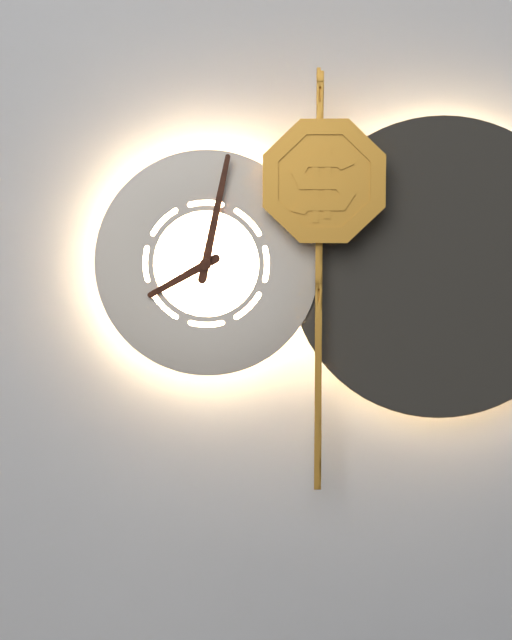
8,02
